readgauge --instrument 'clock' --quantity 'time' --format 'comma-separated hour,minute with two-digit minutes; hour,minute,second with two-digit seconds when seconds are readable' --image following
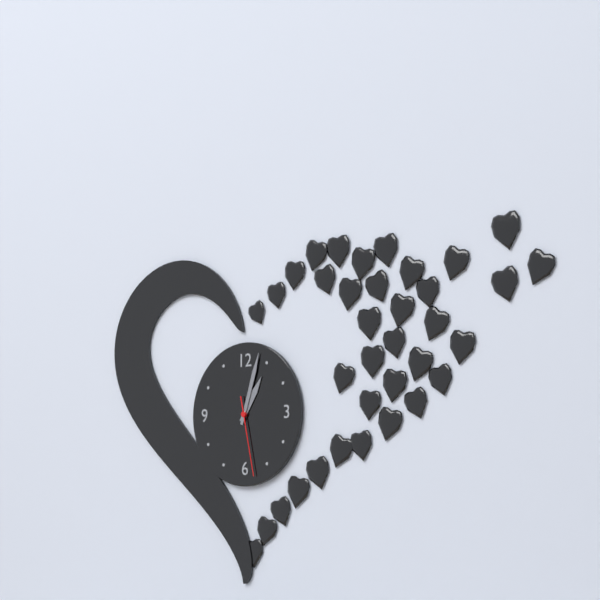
1,03,28
